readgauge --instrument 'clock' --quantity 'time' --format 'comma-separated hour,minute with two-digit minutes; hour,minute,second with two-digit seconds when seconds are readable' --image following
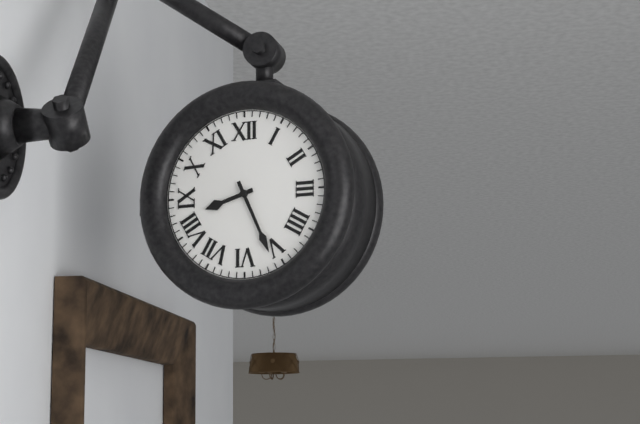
8,26
